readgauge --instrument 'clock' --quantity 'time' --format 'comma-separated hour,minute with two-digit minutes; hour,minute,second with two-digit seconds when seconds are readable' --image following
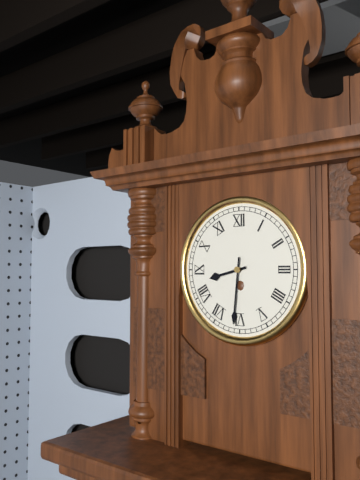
8,31
